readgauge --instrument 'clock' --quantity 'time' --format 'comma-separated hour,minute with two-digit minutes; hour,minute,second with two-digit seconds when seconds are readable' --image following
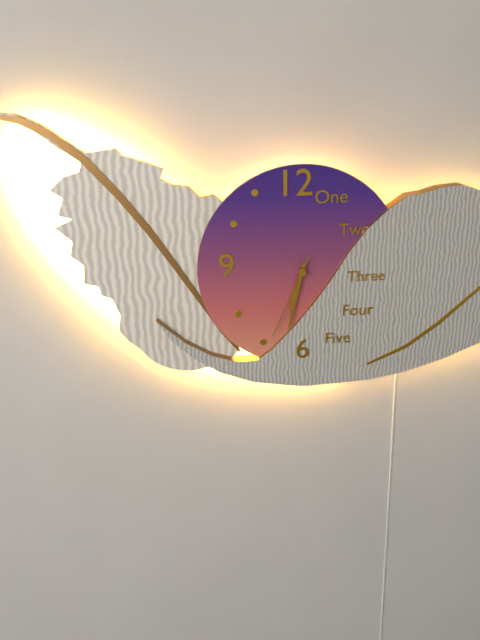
6,32,34
